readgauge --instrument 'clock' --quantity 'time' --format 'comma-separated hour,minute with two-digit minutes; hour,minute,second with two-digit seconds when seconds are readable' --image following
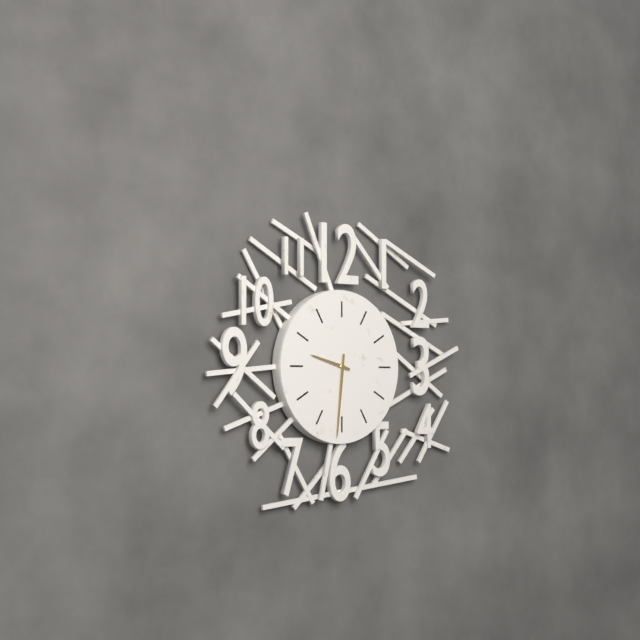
9,31
